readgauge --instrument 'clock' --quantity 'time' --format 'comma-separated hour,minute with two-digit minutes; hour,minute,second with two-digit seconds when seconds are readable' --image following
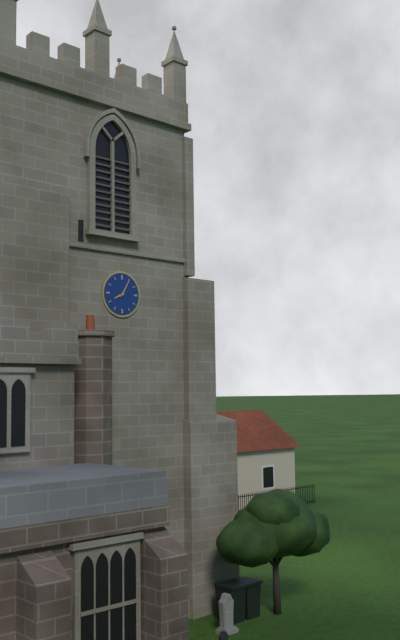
8,05
